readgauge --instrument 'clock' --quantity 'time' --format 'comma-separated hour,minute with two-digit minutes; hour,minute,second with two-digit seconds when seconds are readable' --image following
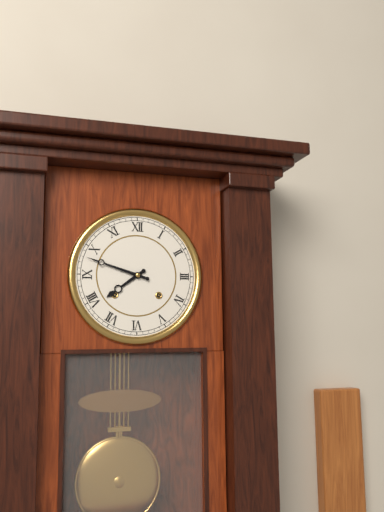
7,48
